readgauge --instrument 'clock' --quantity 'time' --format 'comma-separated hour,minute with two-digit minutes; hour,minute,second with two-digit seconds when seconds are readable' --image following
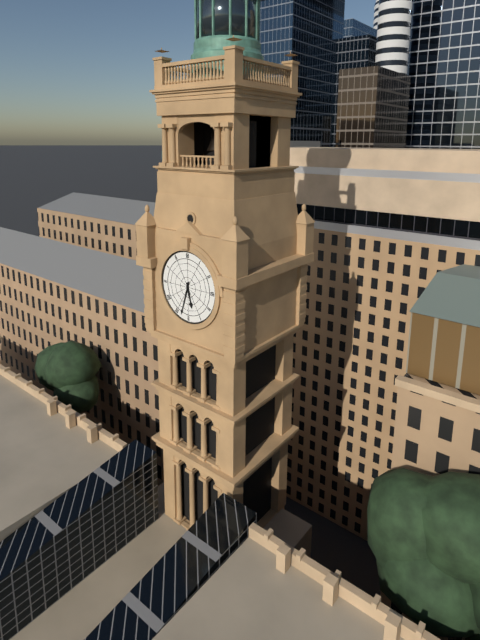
5,33
